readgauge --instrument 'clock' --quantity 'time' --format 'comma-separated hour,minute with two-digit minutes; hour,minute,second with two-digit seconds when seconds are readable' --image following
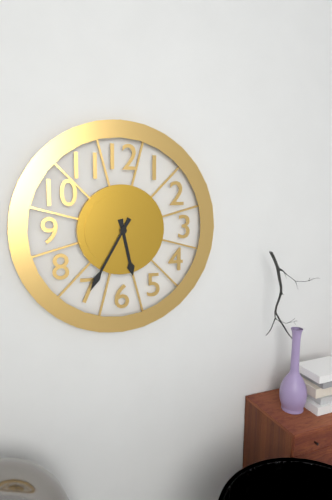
5,35
